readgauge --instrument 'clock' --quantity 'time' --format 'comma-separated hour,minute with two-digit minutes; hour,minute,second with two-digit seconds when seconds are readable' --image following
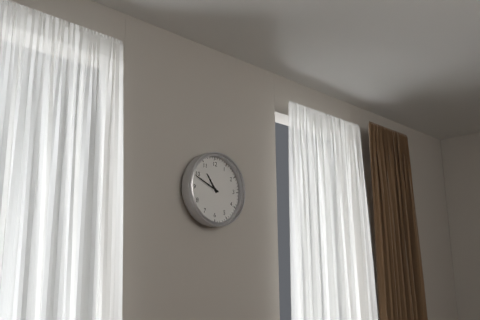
10,49
